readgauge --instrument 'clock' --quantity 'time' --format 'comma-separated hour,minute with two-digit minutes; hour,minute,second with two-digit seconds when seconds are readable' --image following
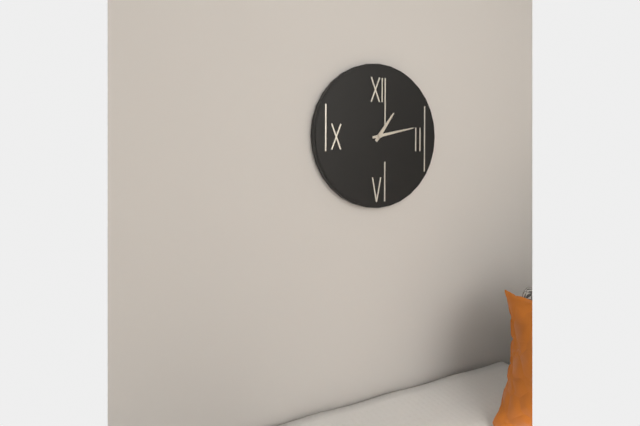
1,13
